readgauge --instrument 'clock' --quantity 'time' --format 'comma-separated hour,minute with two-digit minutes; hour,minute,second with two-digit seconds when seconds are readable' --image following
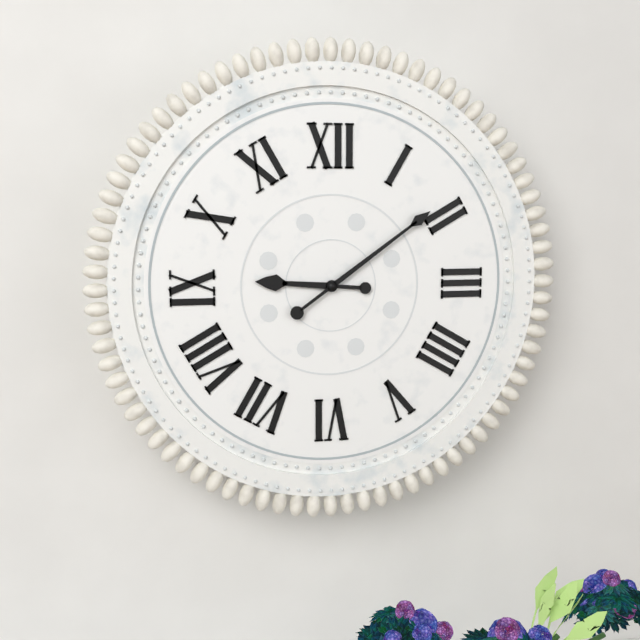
9,09
